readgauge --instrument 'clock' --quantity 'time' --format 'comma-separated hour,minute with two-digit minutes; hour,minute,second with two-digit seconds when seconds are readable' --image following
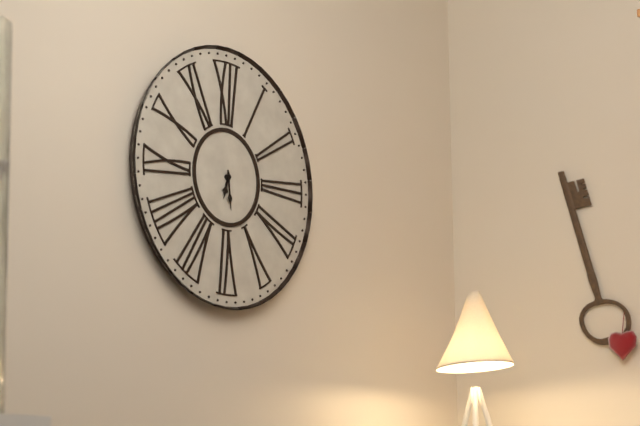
6,29
